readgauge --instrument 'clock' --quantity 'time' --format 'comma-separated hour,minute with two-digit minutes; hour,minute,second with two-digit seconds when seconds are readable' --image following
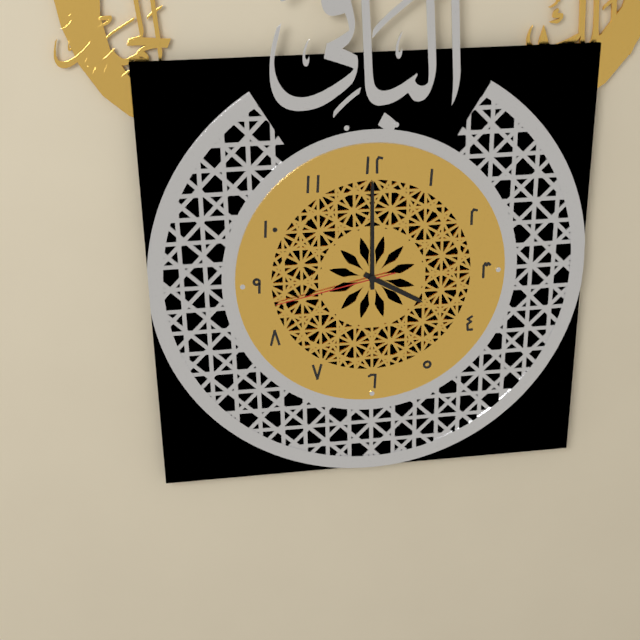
4,00,43
